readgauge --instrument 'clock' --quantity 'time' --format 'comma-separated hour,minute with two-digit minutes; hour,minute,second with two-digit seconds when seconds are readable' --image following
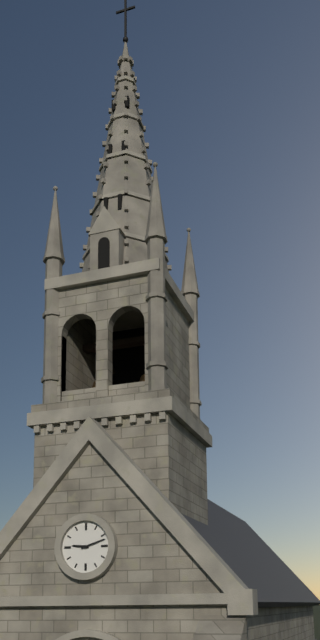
9,12
